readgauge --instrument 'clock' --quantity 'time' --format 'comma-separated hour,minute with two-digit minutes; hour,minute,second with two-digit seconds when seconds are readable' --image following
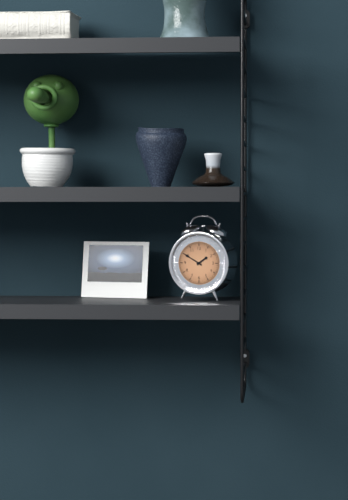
1,50
